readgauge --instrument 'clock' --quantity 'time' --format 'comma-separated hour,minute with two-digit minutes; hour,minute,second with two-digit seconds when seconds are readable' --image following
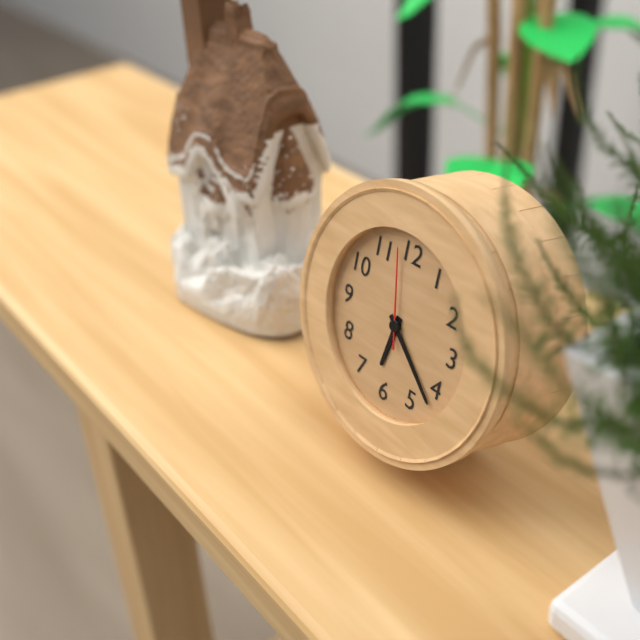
6,22,58
